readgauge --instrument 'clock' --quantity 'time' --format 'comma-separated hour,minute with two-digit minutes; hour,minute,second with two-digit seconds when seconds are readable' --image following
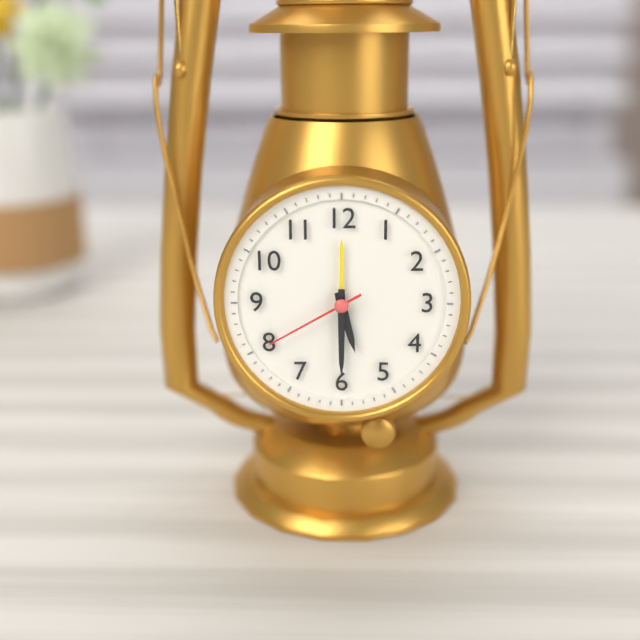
5,30,40
